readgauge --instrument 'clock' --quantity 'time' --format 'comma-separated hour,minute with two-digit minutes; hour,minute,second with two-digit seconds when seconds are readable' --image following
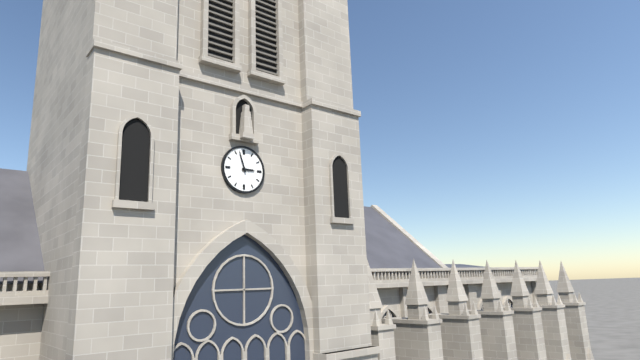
2,57
